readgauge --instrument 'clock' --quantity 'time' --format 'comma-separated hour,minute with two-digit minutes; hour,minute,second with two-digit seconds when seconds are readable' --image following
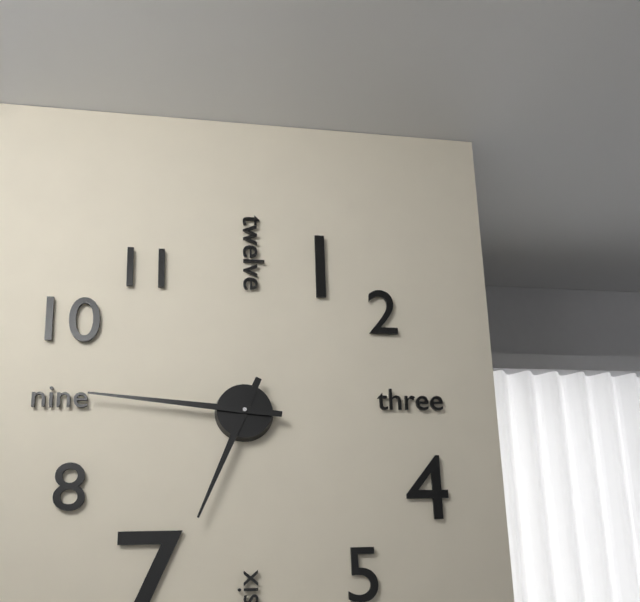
6,46
